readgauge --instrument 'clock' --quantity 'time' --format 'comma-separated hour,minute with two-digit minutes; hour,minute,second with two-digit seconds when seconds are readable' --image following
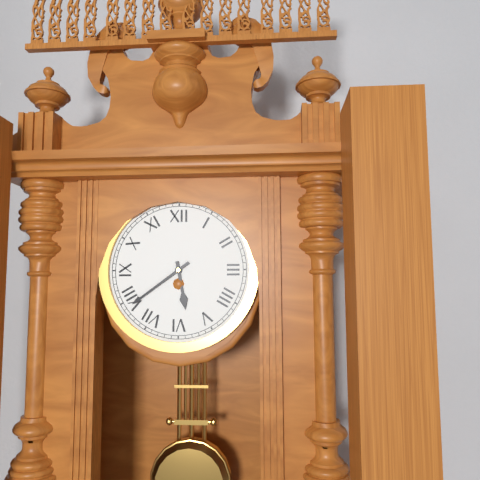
5,39
